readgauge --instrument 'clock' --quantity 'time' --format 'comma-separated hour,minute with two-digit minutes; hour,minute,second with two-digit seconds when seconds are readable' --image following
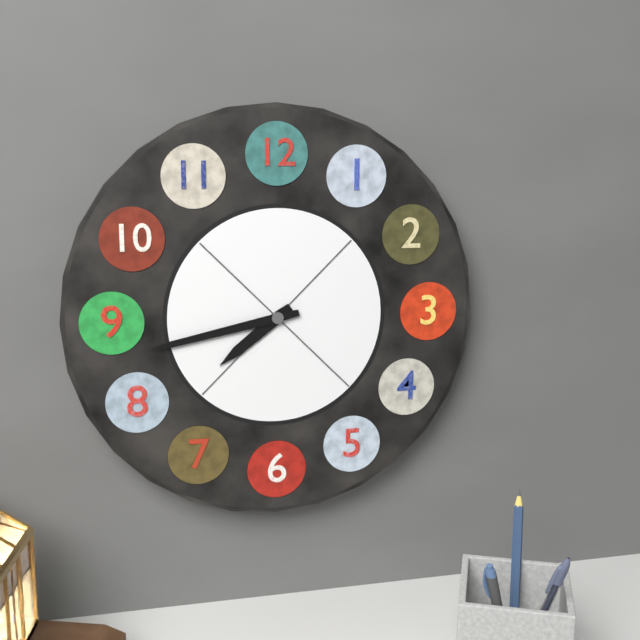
7,43
